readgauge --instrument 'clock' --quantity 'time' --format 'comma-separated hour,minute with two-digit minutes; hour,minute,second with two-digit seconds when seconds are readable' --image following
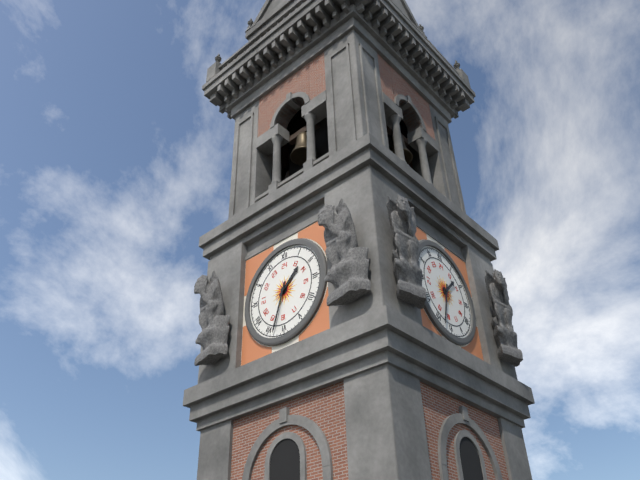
1,33
